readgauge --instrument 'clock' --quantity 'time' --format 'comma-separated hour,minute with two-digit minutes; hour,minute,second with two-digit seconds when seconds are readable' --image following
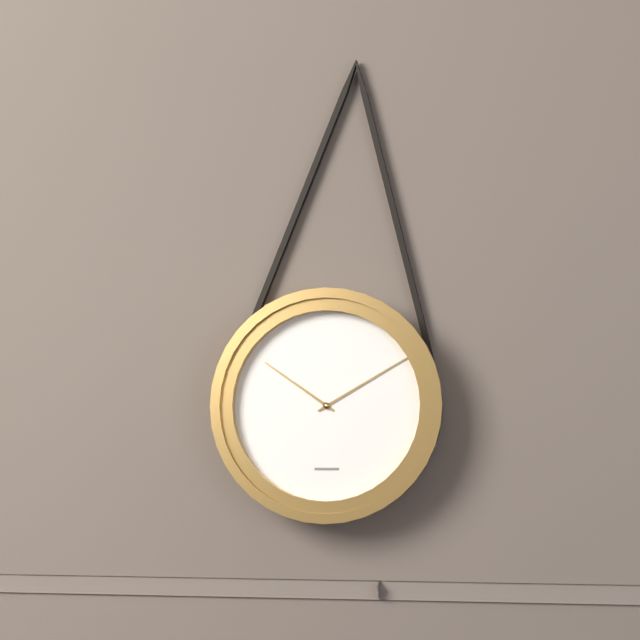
10,10
